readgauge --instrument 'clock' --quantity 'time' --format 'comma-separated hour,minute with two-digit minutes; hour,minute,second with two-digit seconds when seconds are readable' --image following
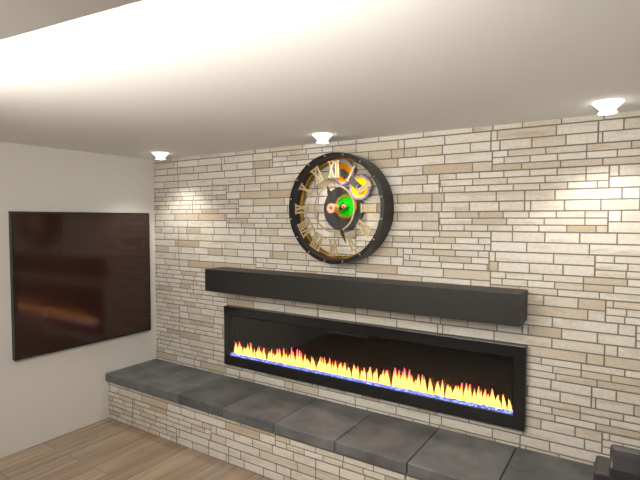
11,26
